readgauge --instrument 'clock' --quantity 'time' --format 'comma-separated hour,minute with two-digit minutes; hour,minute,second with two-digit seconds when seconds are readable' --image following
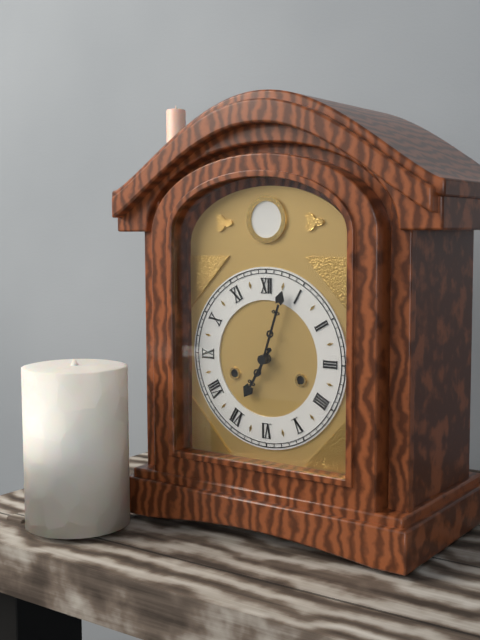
7,03
